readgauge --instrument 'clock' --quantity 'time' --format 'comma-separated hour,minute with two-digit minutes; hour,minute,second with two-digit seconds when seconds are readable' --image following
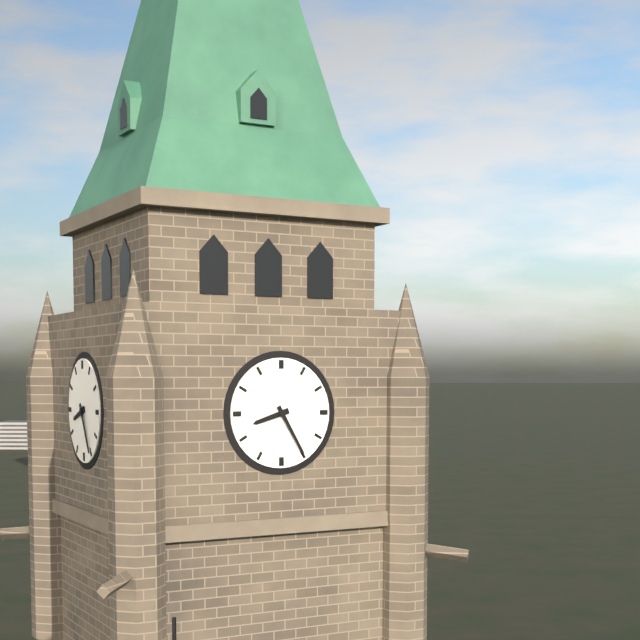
8,25
